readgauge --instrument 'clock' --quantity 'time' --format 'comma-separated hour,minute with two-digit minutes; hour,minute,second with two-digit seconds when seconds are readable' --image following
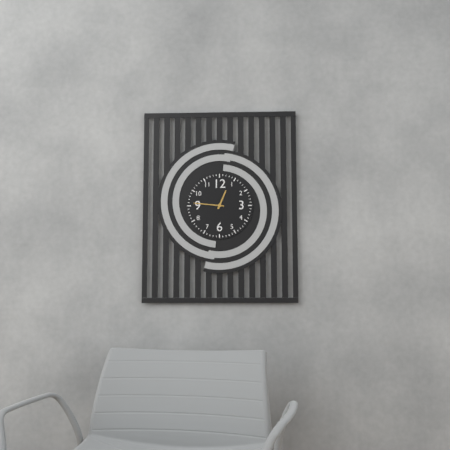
12,46
